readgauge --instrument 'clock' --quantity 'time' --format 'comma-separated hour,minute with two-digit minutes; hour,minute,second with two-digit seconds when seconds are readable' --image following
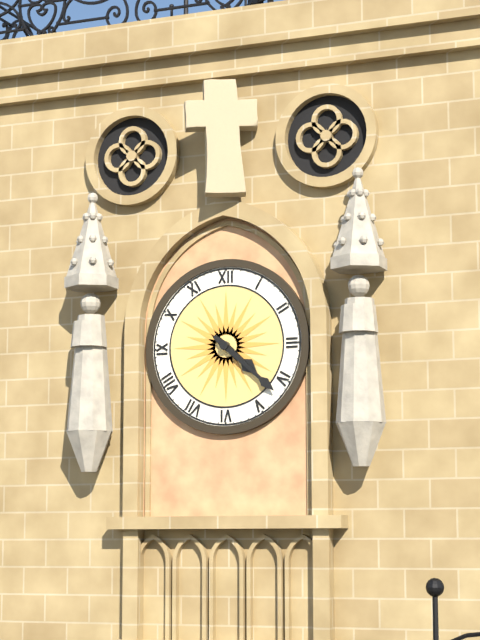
4,22
